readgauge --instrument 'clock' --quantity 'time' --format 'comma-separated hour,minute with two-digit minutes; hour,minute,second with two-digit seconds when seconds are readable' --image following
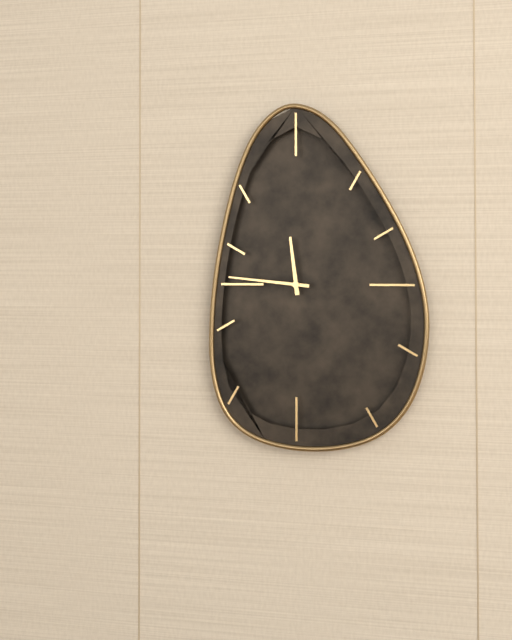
11,46
